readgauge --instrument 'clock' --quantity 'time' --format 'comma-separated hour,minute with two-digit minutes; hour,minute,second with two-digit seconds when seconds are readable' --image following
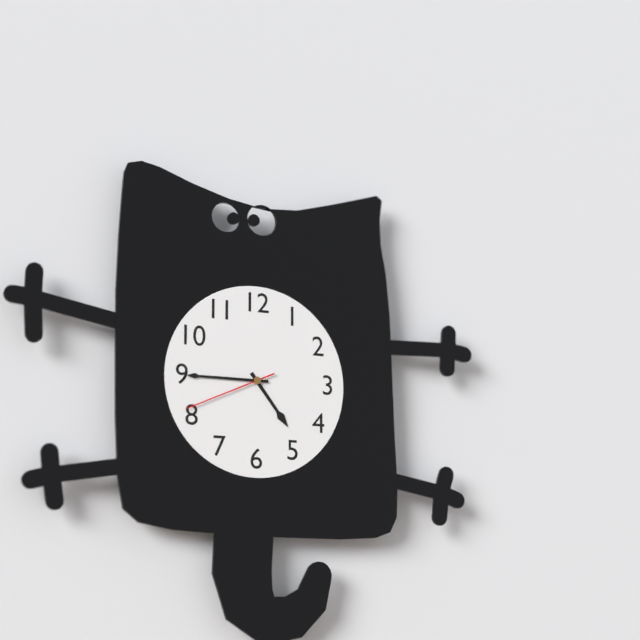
4,45,41
